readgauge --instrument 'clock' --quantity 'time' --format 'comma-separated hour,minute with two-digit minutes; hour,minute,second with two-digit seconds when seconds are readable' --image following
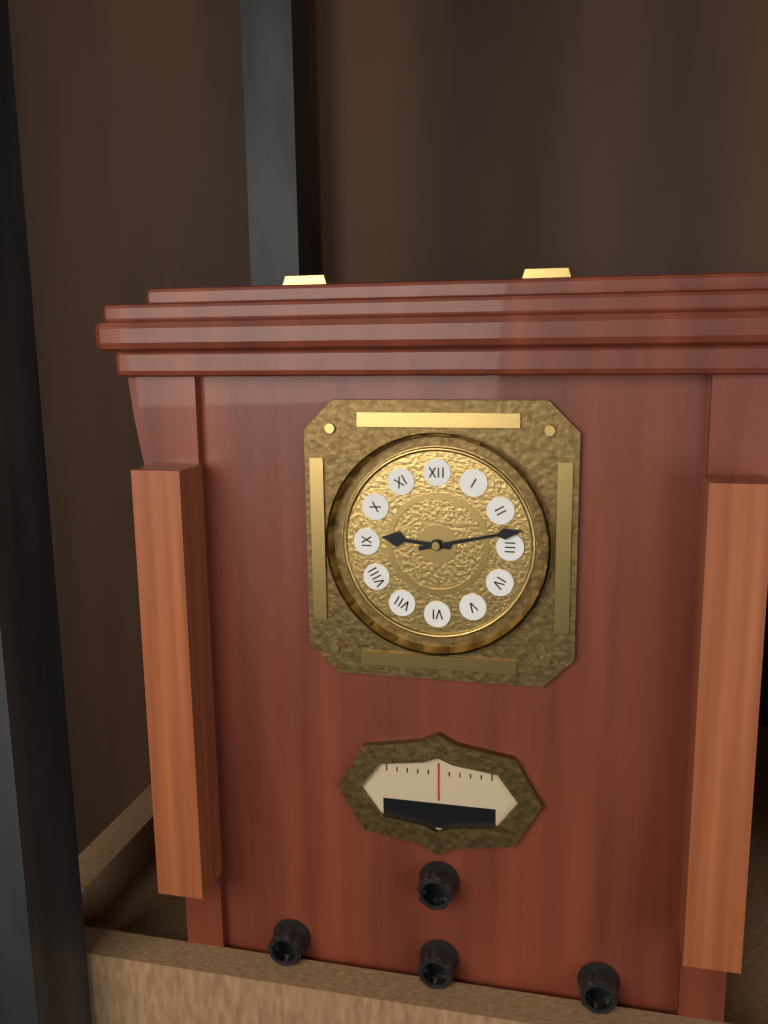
9,13
